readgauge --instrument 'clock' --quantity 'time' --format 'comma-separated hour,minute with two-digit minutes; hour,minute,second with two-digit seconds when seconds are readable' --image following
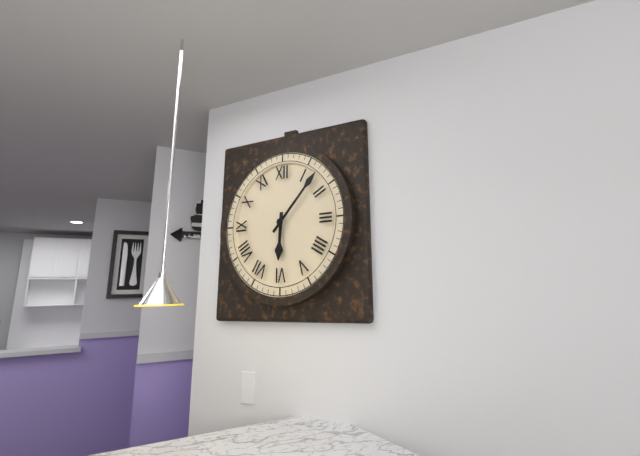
6,07
